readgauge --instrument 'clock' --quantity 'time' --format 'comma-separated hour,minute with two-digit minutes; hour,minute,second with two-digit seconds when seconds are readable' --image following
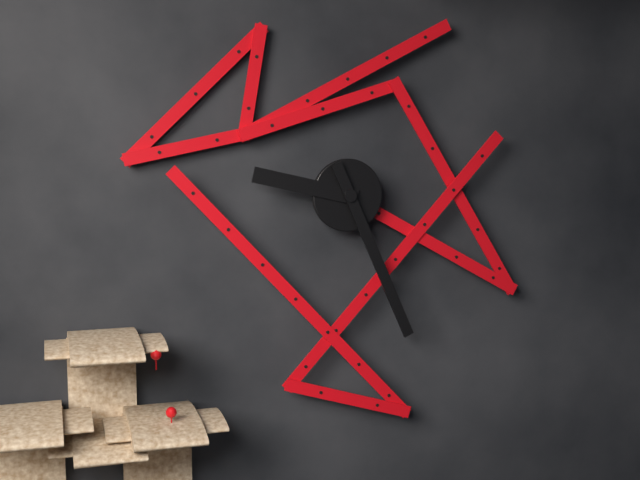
9,26
